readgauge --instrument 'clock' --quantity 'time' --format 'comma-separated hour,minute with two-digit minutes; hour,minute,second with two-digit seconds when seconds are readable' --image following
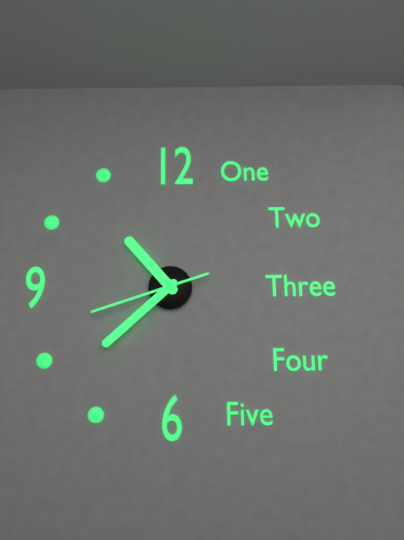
10,38,42
